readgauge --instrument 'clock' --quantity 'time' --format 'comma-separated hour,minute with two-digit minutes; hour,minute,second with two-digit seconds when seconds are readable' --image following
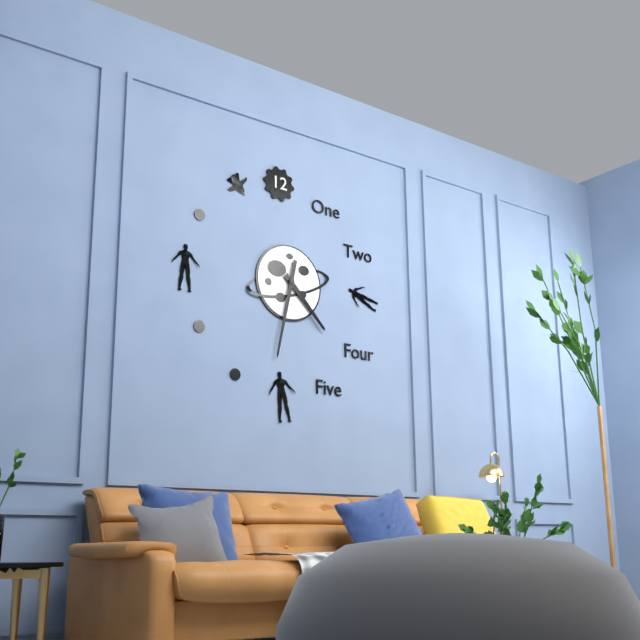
4,32
